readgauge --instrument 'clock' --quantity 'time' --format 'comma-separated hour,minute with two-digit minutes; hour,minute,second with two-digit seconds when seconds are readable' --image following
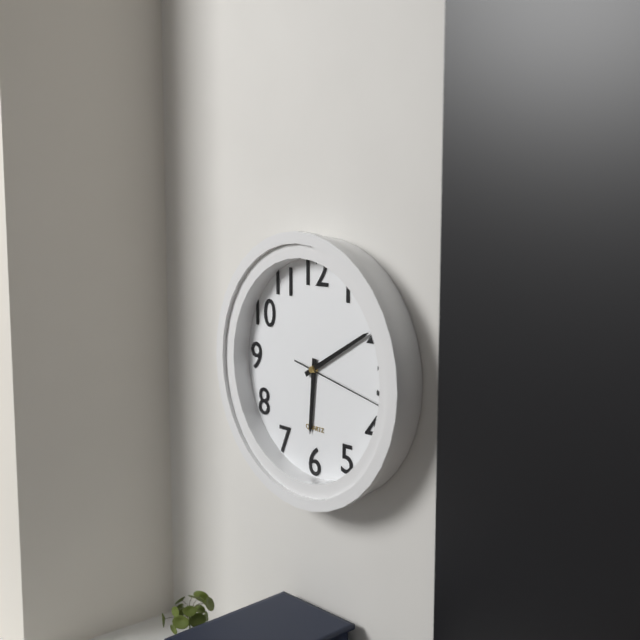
6,10,17
